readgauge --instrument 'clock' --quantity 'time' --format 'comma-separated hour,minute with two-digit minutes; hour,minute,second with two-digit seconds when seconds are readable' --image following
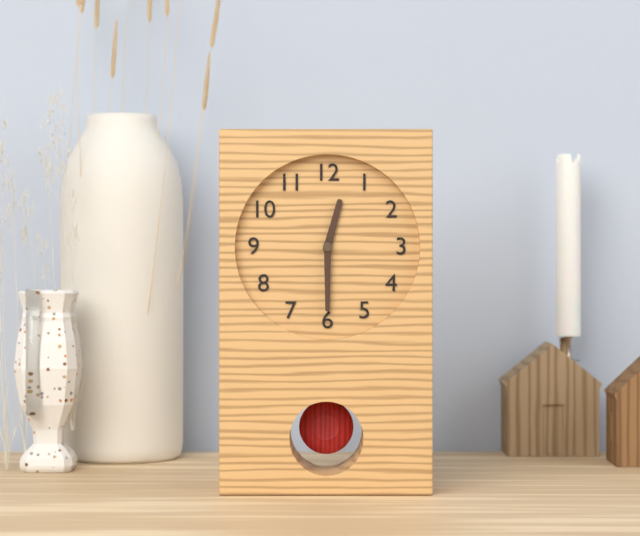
12,30
